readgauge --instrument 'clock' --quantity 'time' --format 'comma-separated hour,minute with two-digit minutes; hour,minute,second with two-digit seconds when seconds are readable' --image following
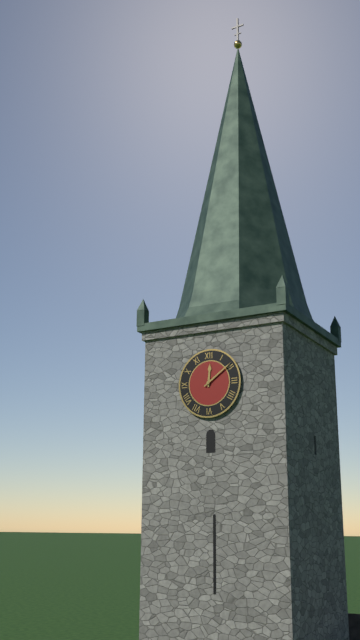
12,09
